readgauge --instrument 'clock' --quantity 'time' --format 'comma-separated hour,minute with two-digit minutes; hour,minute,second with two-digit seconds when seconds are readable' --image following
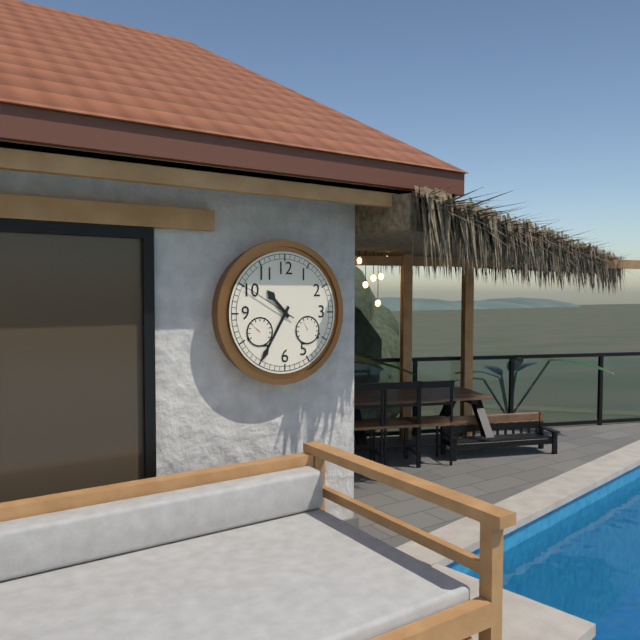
10,35,50
